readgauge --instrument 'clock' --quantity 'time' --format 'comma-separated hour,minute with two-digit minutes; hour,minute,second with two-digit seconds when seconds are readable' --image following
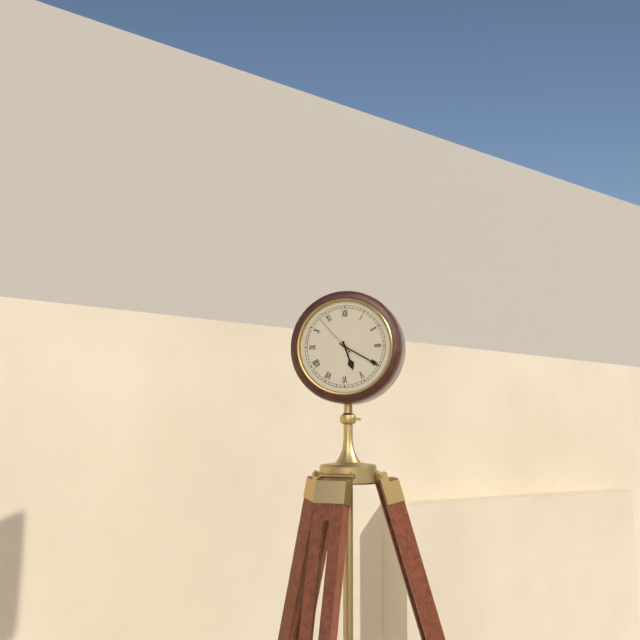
5,20,53
